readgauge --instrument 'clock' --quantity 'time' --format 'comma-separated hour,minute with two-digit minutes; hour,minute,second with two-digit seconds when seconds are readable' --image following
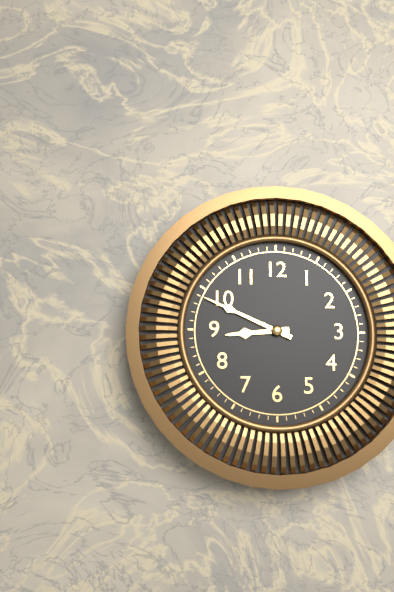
8,49
